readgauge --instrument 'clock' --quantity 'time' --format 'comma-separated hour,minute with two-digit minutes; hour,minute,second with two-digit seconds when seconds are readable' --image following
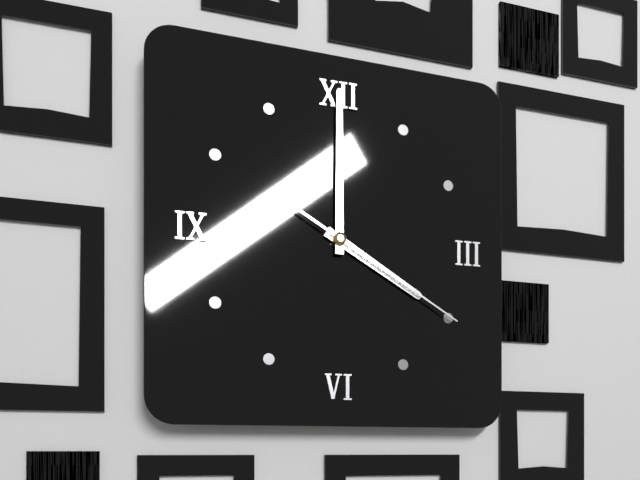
4,00,20
